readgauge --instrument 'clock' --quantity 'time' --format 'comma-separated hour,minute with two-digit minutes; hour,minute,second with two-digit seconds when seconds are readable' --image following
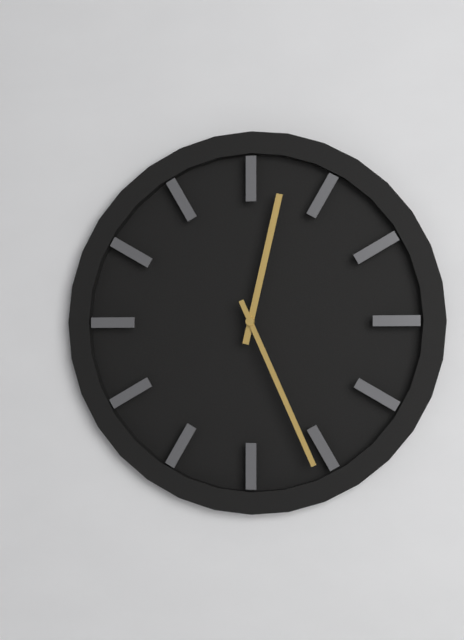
12,26
